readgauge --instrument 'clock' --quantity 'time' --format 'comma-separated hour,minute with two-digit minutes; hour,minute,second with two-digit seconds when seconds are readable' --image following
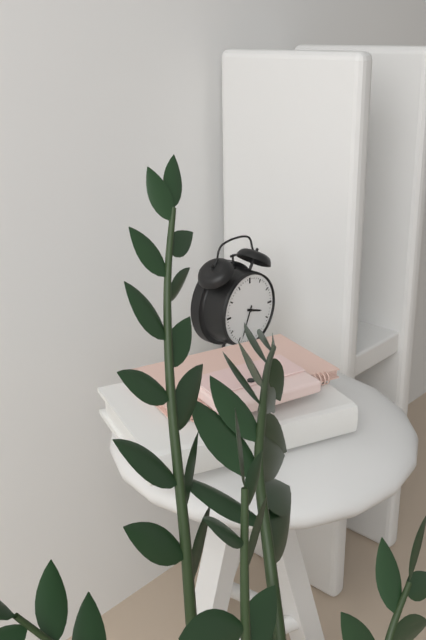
3,34
